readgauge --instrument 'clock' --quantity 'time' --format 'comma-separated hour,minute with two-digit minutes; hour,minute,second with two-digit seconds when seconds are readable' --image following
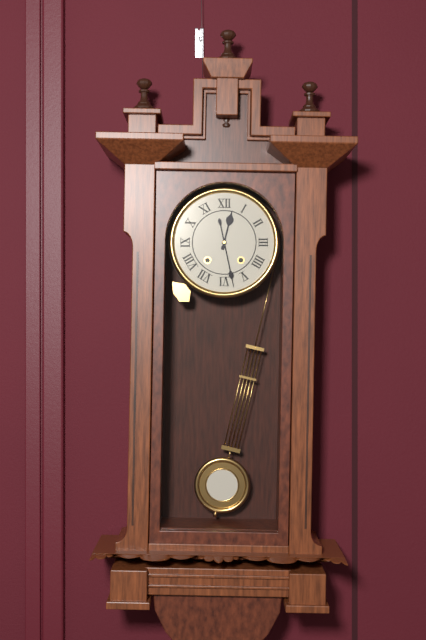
12,28
